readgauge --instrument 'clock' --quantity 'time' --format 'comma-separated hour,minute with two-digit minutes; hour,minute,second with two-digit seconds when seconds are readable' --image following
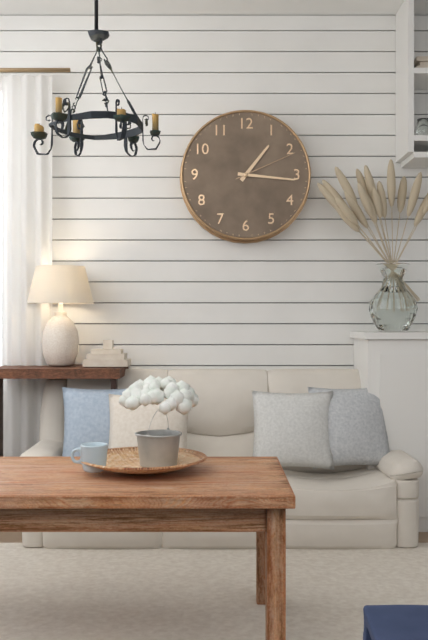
1,16,11
